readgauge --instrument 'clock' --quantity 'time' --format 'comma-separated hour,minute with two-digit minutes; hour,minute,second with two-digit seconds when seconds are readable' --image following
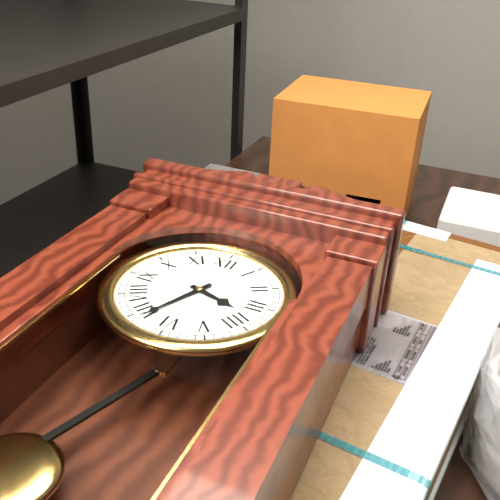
3,34
